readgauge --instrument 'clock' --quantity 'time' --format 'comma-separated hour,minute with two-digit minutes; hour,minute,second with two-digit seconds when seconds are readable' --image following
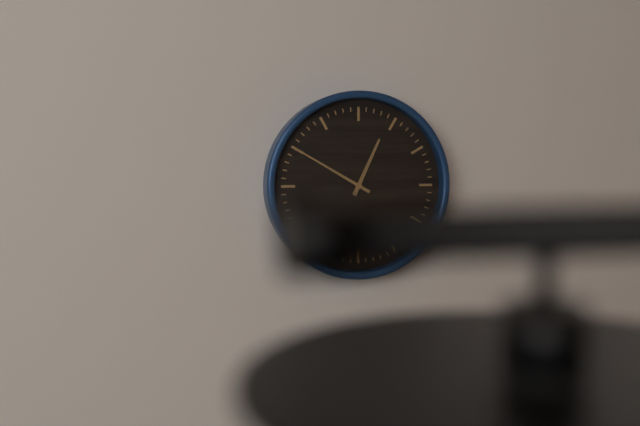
12,50
